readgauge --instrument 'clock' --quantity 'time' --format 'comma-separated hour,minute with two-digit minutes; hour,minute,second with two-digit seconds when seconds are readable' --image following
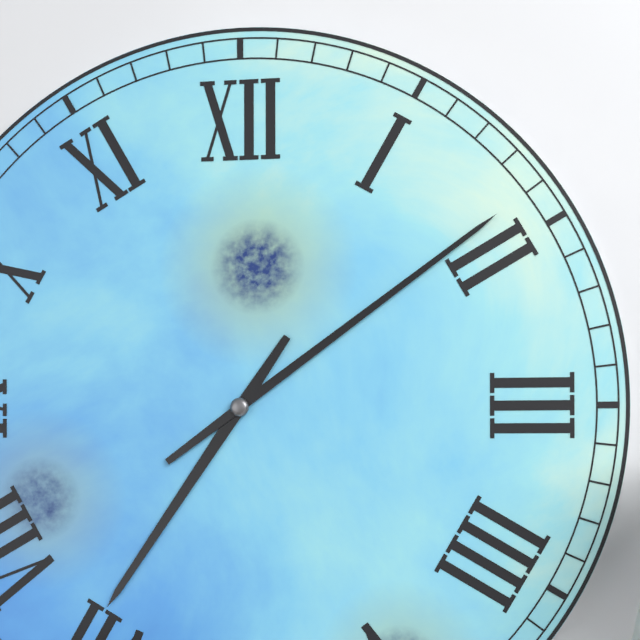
7,09
